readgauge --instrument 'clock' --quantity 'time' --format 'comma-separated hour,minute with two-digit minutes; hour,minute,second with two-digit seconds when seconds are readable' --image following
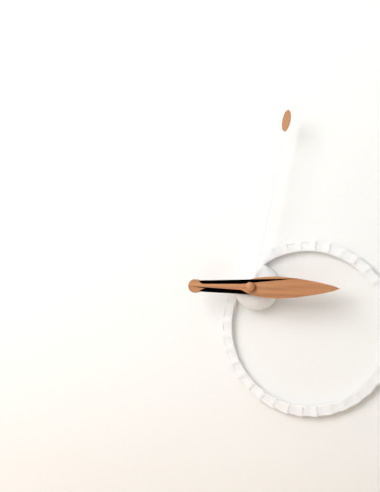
3,02
